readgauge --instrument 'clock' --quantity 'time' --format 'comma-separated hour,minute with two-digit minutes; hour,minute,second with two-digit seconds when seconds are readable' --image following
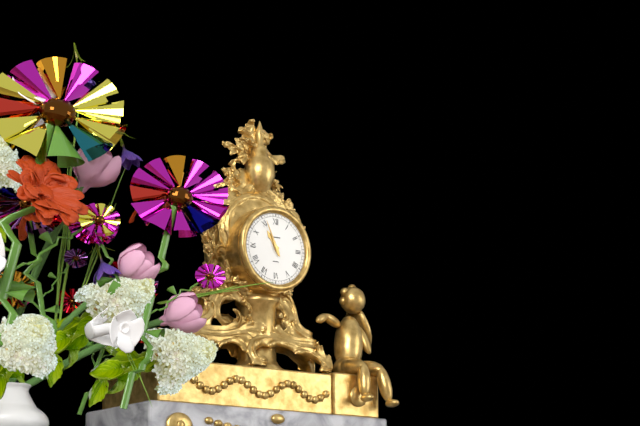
10,56
